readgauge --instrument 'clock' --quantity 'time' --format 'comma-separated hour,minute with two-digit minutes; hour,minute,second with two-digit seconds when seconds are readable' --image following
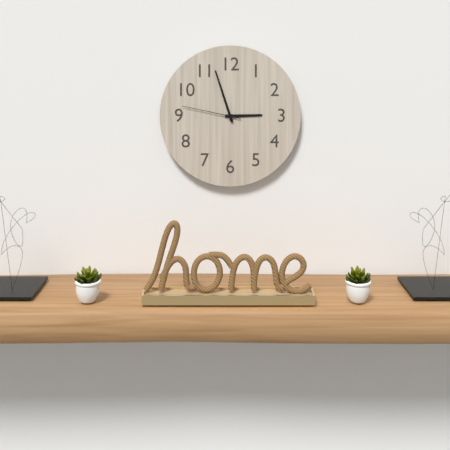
2,57,47
